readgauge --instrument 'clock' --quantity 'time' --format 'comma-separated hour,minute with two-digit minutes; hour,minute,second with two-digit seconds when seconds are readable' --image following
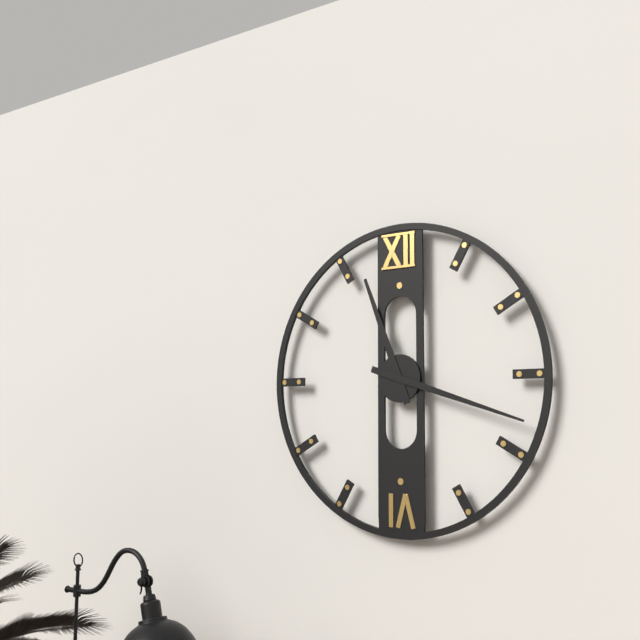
11,18
